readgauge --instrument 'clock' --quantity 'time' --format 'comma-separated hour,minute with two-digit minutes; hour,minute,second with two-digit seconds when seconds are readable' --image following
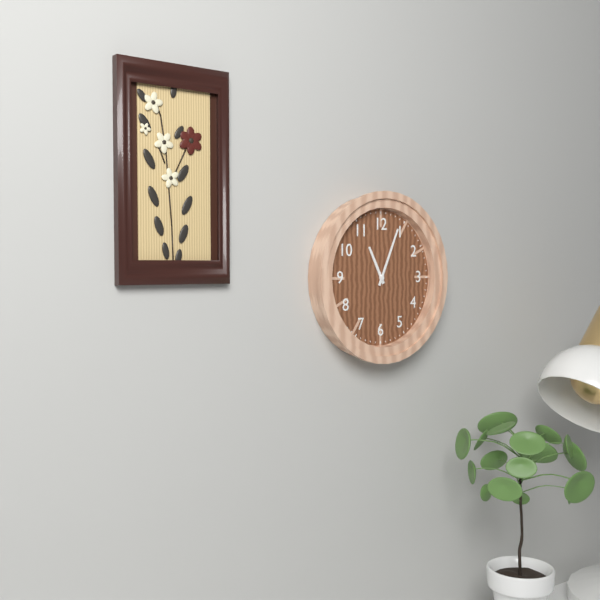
11,04
